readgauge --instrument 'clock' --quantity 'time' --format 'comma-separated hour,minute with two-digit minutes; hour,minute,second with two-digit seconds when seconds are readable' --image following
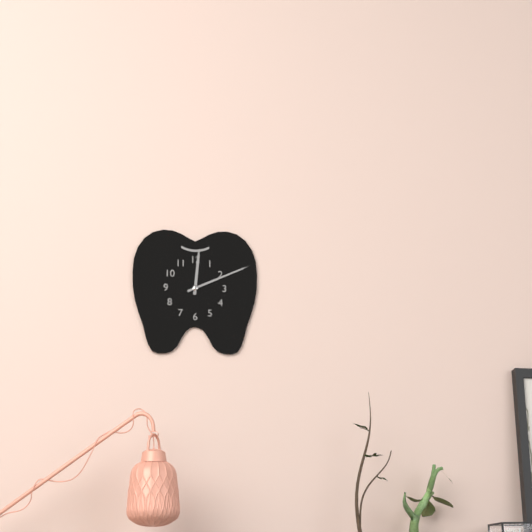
12,11
